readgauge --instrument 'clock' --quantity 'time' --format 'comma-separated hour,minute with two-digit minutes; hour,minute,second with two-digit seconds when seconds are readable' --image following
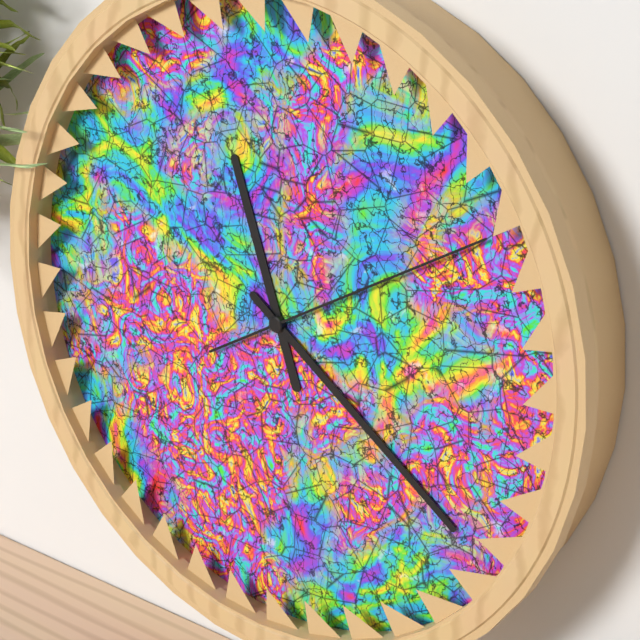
11,21,10
